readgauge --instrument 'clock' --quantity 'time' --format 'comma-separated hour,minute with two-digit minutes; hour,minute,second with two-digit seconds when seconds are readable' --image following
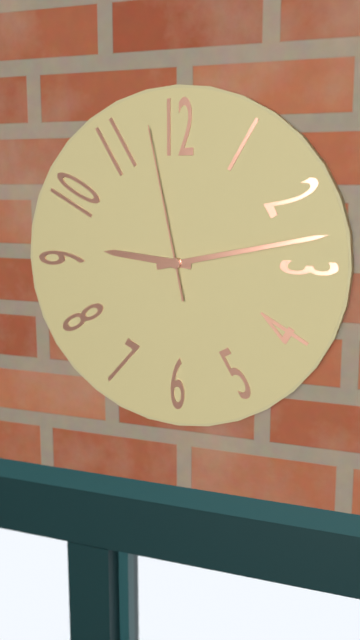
9,13,58
